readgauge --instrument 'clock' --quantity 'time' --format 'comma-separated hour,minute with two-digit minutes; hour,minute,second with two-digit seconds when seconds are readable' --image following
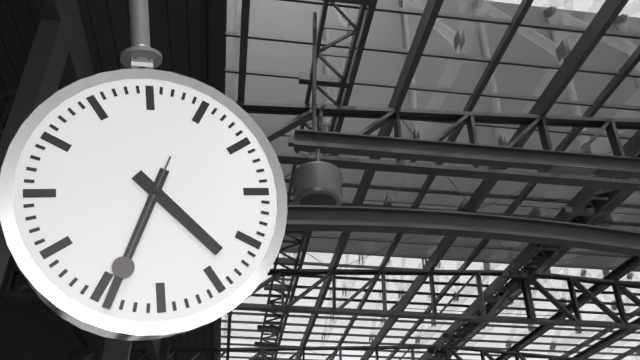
4,34,34
